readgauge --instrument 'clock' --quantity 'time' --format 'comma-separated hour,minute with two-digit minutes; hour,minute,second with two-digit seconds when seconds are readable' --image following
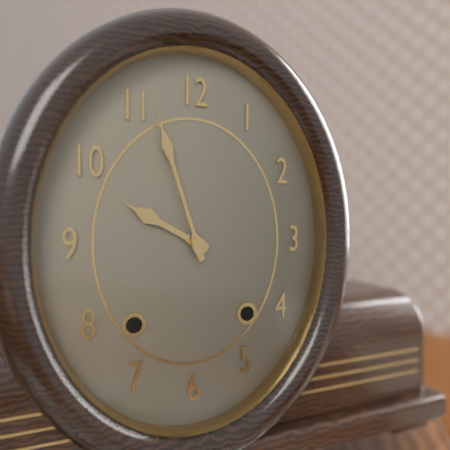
9,57
